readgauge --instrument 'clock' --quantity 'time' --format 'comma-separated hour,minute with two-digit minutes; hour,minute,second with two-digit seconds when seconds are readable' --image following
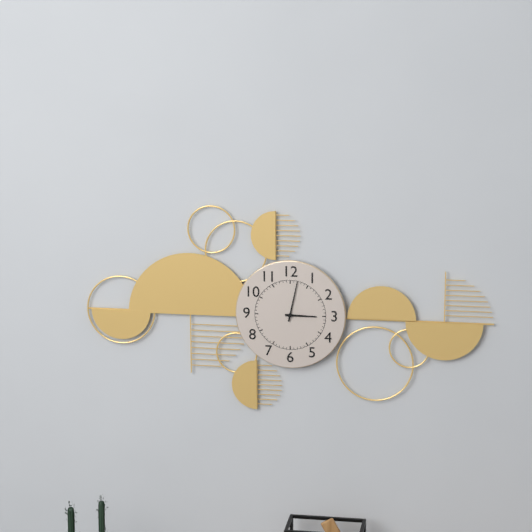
3,02
